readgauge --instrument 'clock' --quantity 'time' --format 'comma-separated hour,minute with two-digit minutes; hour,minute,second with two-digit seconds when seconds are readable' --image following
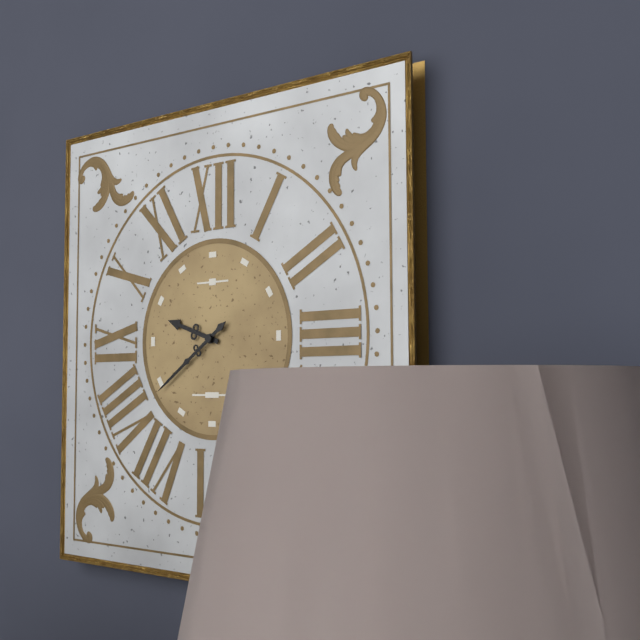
9,39
